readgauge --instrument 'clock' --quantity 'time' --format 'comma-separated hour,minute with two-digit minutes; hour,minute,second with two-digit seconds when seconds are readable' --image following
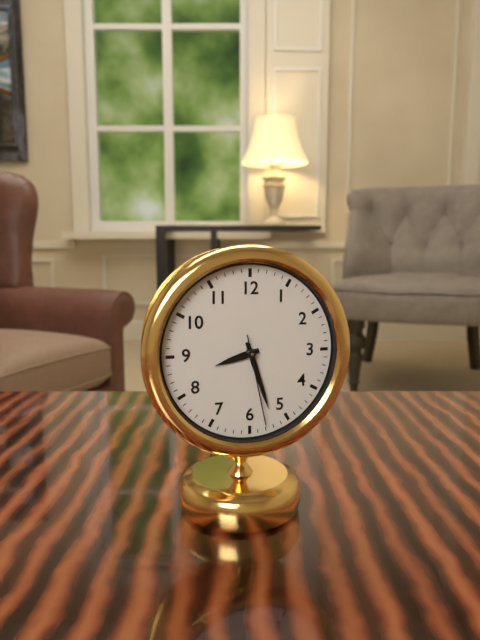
8,27,28
